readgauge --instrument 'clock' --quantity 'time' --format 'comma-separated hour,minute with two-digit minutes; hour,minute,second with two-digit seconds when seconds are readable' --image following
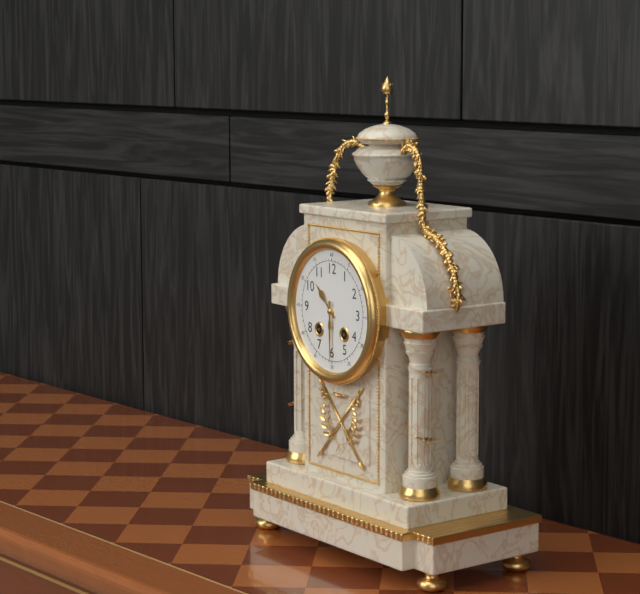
10,30
